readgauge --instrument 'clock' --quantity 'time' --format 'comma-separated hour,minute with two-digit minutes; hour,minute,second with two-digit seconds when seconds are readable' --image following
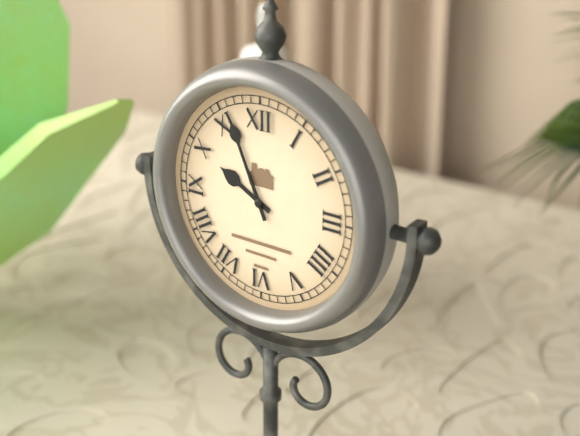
9,56
